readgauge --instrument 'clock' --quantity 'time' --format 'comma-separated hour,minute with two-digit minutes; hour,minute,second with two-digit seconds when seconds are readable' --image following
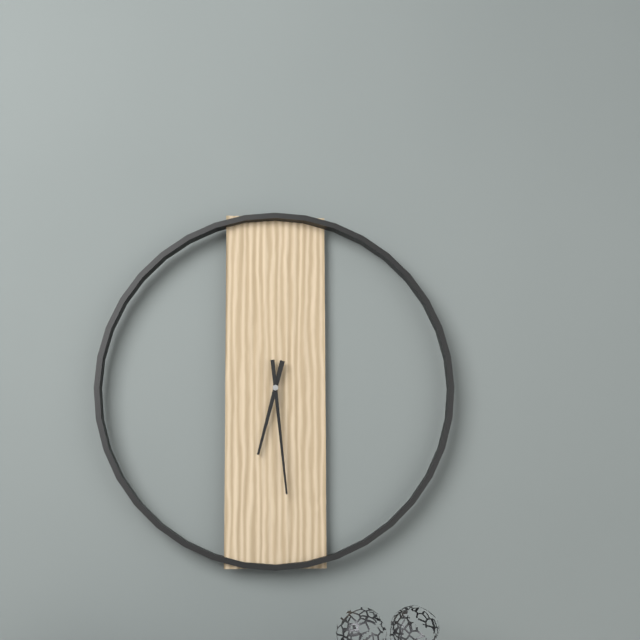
6,29
